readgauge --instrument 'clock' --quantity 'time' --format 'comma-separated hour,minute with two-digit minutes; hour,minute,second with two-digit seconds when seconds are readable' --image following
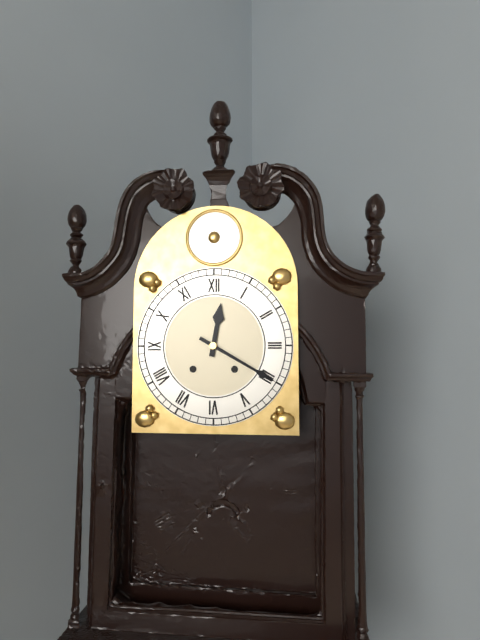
12,20
